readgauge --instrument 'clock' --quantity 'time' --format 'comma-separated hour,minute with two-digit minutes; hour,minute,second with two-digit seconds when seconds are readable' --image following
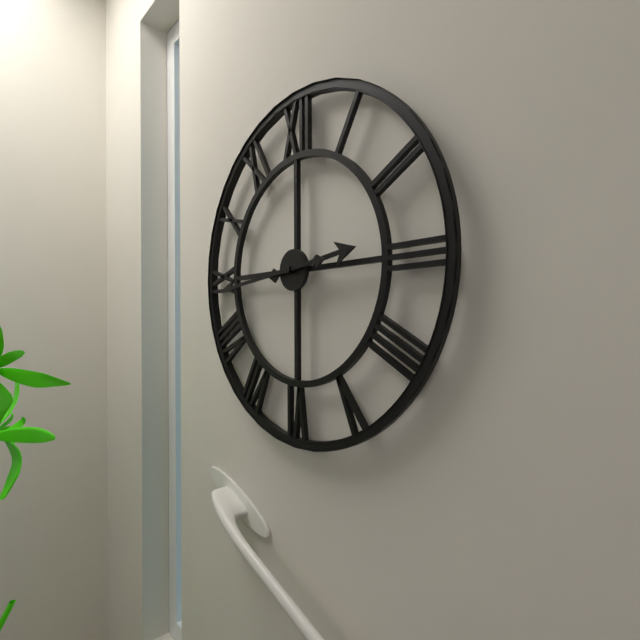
2,44
